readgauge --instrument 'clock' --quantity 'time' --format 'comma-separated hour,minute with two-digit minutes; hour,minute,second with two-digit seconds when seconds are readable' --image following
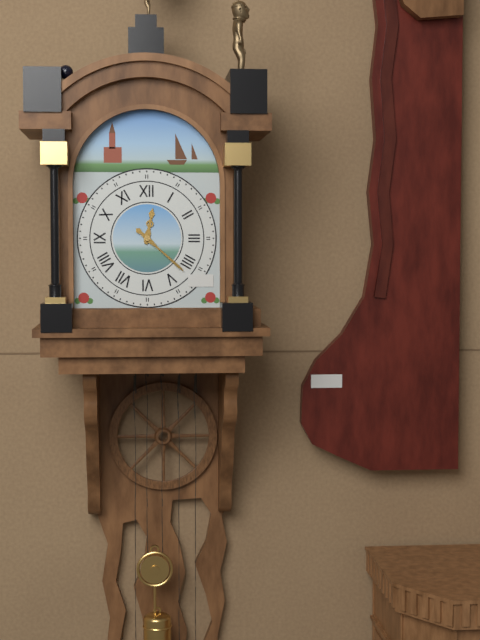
12,22
